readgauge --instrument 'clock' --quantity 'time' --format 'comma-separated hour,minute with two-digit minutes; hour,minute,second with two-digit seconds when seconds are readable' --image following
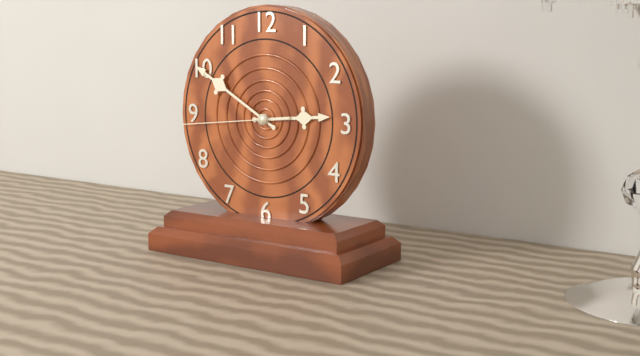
2,50,44
